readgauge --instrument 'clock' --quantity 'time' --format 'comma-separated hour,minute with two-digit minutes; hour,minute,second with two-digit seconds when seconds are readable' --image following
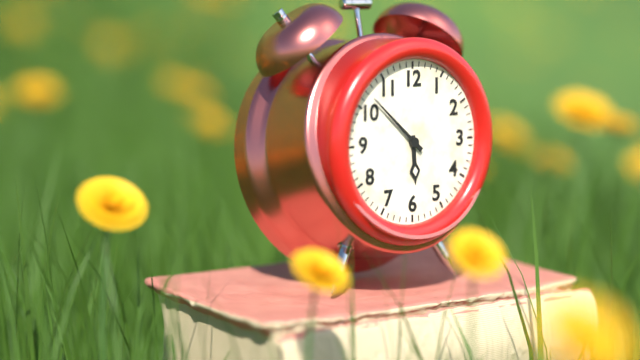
5,52
